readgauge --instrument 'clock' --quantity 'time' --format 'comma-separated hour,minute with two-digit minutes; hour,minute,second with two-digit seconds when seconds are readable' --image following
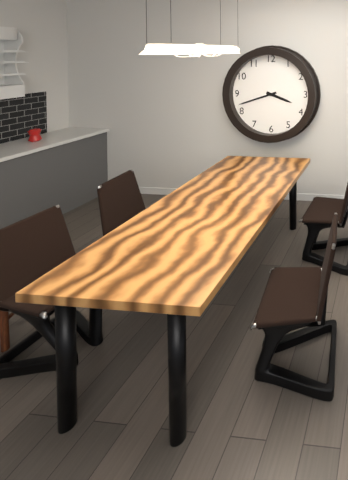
3,42
